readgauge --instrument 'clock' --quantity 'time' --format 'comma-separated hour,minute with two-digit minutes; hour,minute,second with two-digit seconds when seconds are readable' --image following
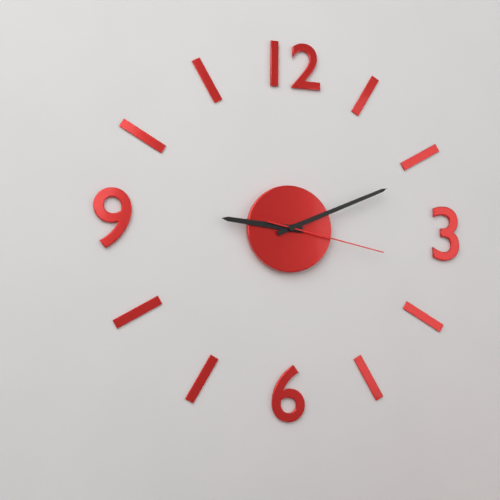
9,11,17
